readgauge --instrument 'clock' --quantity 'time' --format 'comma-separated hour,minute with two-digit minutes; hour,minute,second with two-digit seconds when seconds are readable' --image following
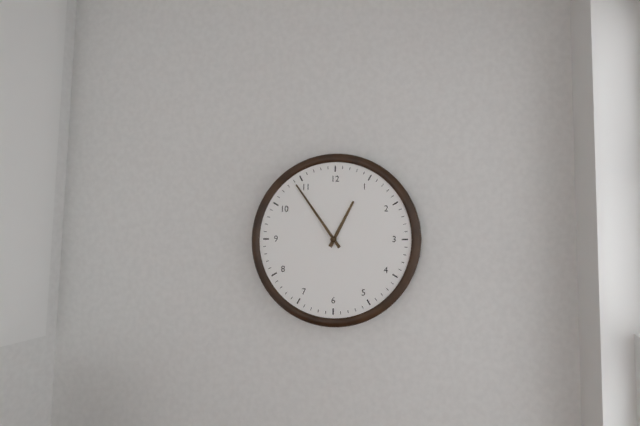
12,54
